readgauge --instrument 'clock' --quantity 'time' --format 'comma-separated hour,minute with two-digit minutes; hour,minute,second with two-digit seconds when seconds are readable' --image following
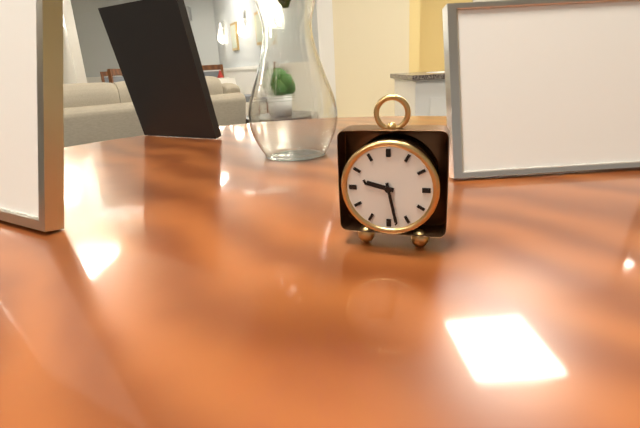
9,28
